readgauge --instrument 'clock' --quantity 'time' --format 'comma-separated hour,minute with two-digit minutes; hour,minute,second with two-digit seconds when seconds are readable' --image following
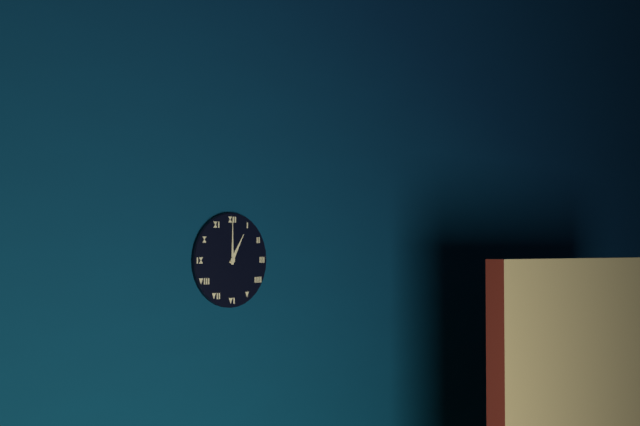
1,00
